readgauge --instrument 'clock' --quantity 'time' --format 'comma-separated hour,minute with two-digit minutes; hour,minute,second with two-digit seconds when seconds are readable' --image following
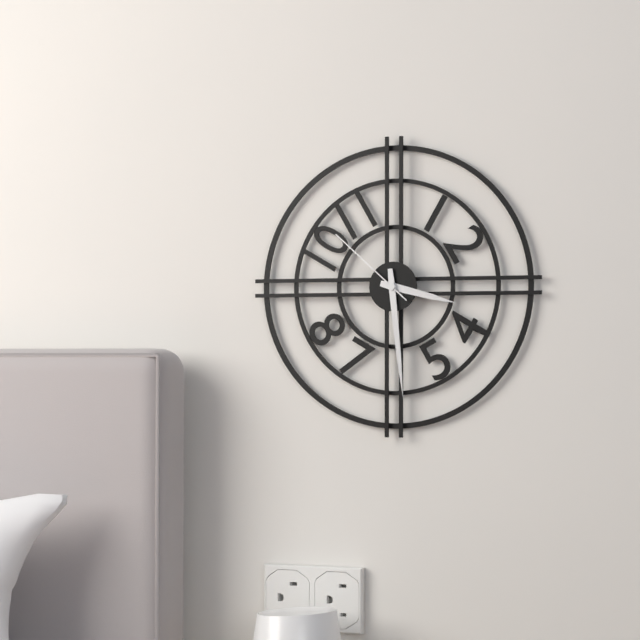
3,29,52
